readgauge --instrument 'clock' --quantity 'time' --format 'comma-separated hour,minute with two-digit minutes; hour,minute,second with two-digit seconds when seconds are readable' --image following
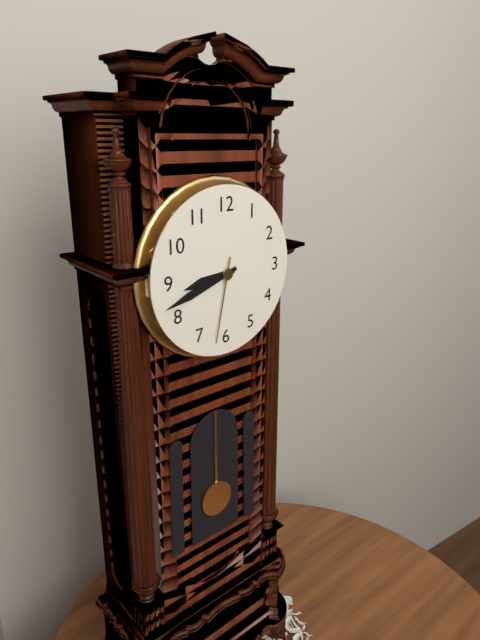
8,42,32
